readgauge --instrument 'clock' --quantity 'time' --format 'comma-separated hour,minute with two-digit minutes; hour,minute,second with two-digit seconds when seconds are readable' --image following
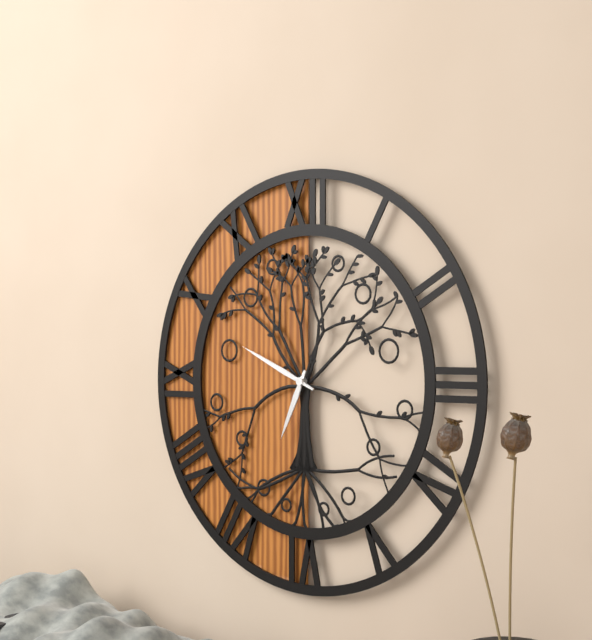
6,49
